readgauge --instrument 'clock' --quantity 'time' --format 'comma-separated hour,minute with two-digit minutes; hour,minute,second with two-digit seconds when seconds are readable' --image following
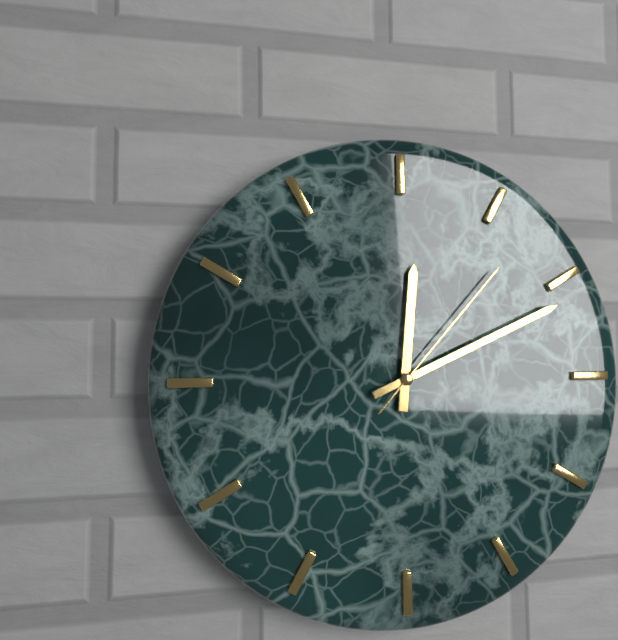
12,11,07
